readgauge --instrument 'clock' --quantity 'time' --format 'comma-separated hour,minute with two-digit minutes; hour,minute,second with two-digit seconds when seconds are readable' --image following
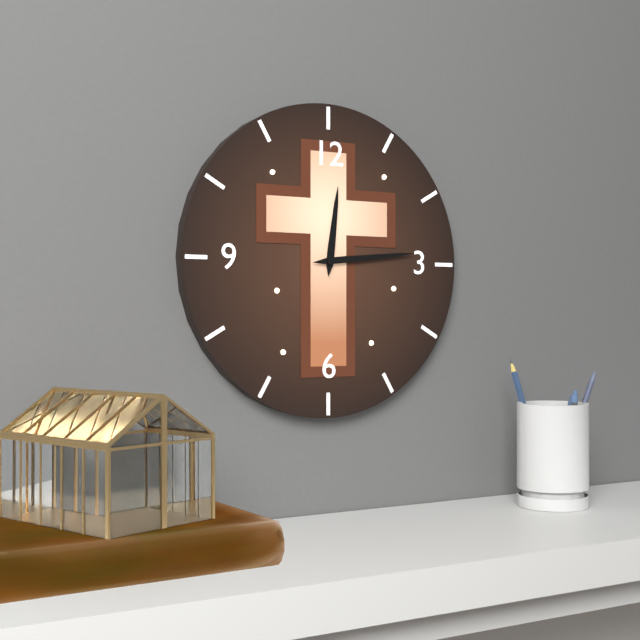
12,14
